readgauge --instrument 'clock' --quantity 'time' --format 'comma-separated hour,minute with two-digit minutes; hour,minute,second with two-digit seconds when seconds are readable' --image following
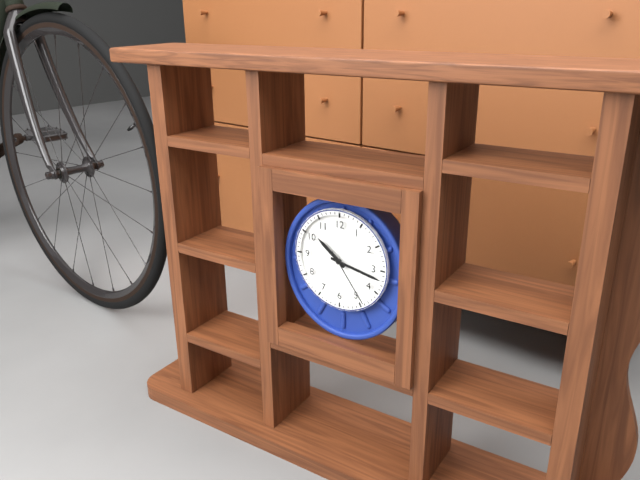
10,17,24
